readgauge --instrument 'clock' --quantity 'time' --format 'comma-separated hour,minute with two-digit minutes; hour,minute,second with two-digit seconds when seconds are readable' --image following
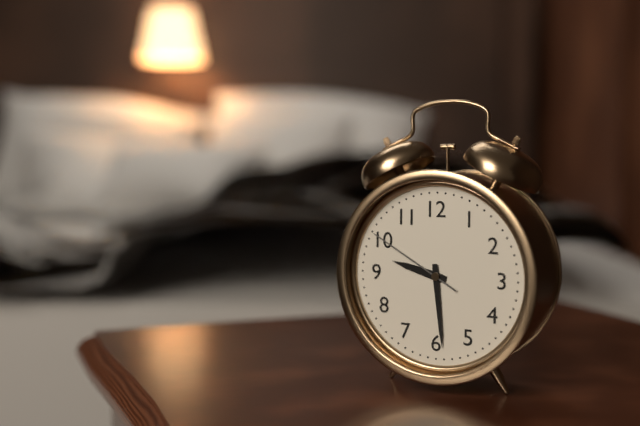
9,29,50
